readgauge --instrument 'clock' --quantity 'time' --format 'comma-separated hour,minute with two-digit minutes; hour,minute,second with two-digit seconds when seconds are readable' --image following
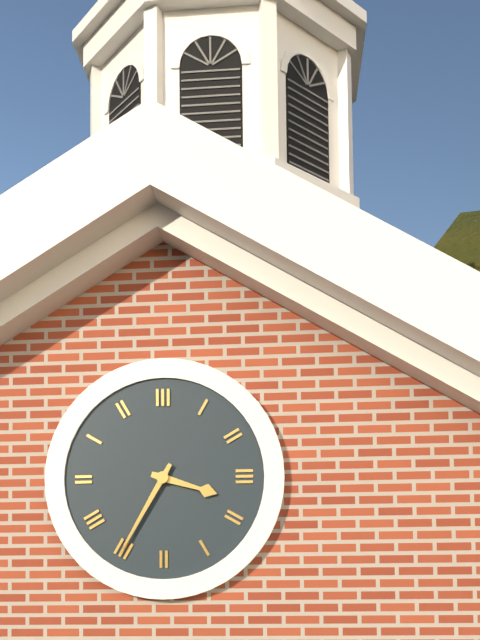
3,35
